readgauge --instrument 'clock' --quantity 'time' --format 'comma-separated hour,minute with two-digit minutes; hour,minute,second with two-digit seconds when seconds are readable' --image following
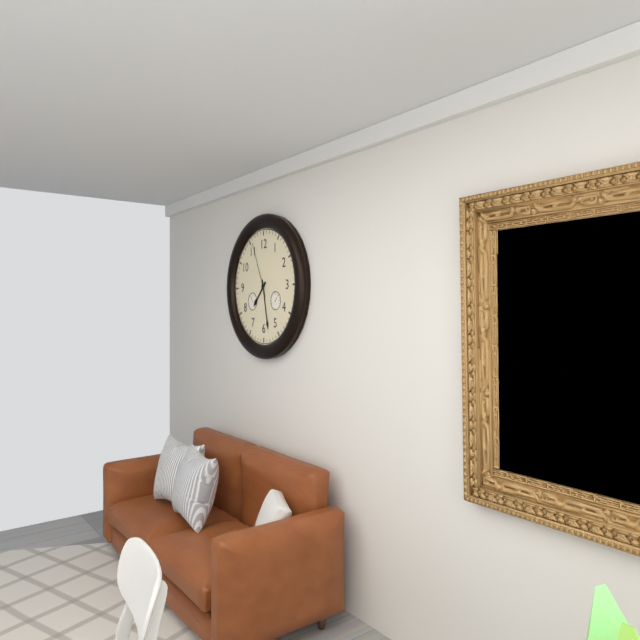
7,28,56
